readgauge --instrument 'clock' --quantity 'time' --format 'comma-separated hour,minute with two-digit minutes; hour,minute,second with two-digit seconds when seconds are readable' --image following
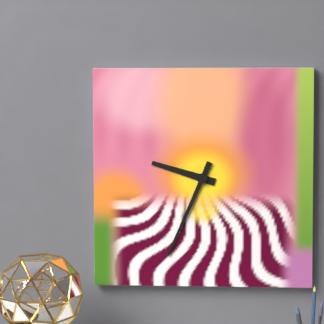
9,34
